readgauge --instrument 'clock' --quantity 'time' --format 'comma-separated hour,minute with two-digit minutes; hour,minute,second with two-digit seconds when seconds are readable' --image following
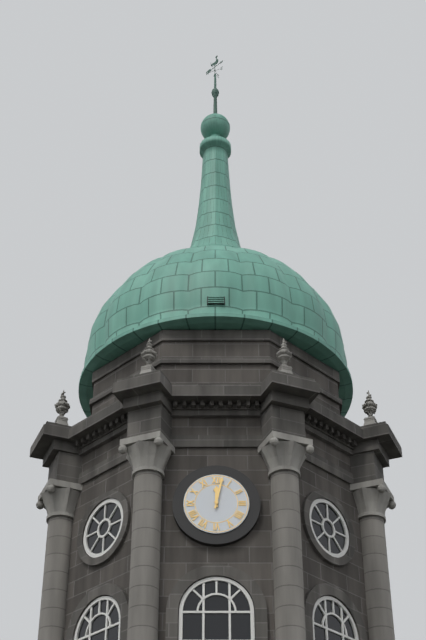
12,02
